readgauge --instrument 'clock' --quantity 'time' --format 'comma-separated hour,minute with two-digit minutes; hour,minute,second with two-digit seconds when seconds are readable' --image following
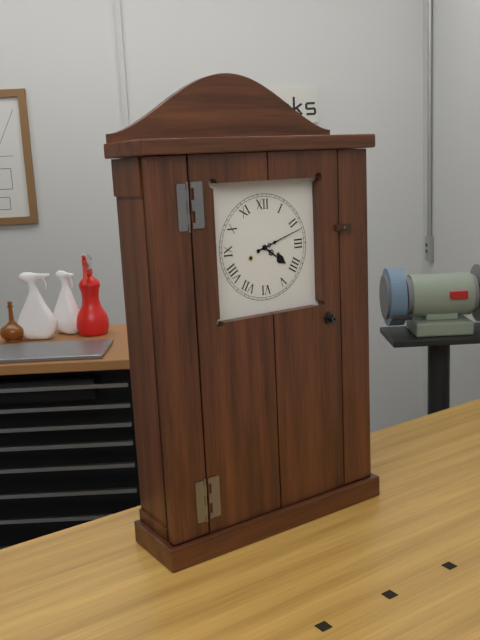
4,12
